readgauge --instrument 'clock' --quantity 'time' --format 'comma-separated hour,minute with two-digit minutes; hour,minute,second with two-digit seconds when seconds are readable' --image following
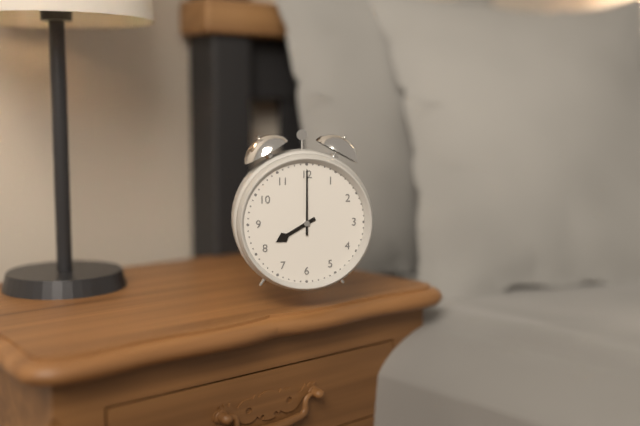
8,00
